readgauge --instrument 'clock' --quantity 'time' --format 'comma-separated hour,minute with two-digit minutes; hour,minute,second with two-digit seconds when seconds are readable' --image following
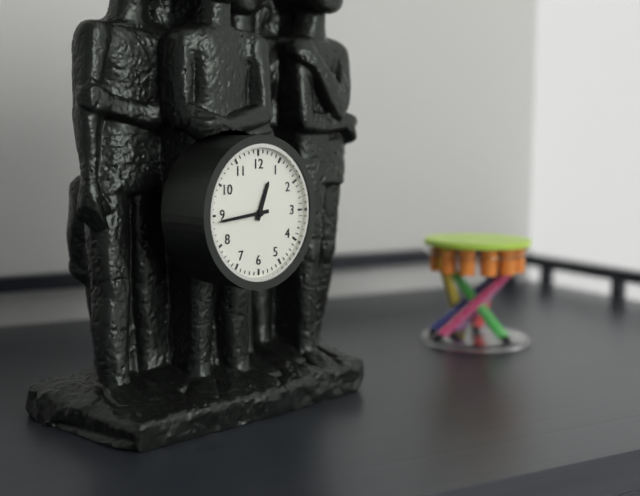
12,44
